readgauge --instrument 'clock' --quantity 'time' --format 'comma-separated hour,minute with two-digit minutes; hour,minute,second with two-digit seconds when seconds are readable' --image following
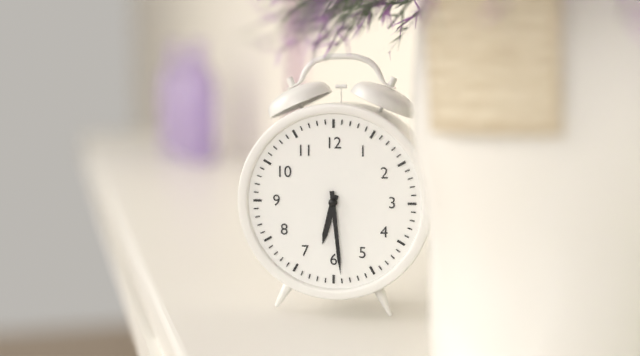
6,29
